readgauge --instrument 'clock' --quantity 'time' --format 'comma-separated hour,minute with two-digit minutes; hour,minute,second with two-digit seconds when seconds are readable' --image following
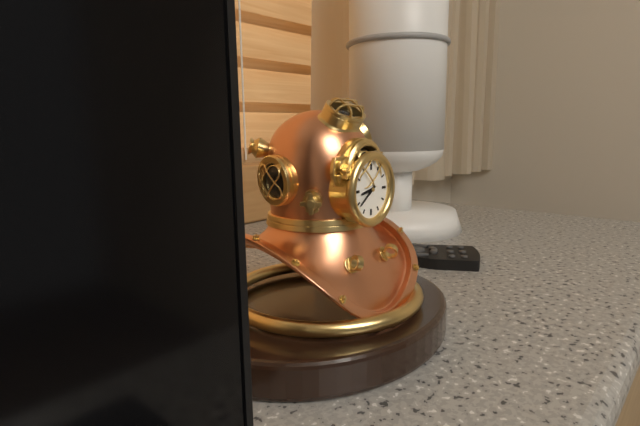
8,39
